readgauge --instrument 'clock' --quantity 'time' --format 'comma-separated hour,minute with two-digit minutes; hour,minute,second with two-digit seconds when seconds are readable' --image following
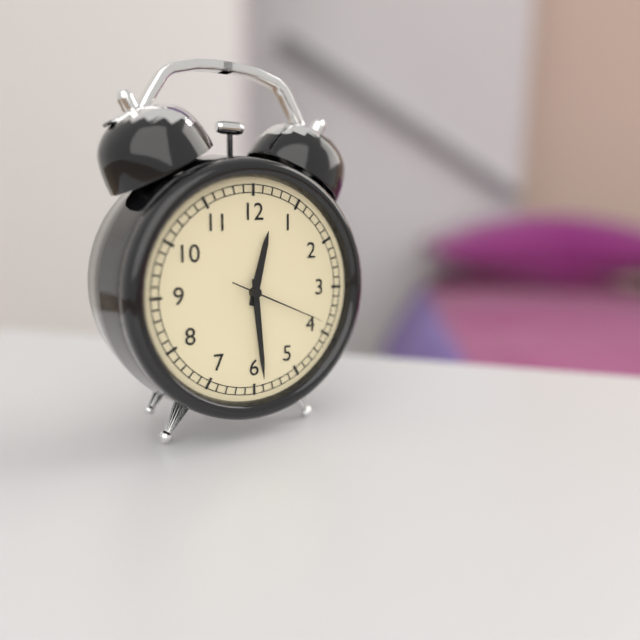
12,29,19
